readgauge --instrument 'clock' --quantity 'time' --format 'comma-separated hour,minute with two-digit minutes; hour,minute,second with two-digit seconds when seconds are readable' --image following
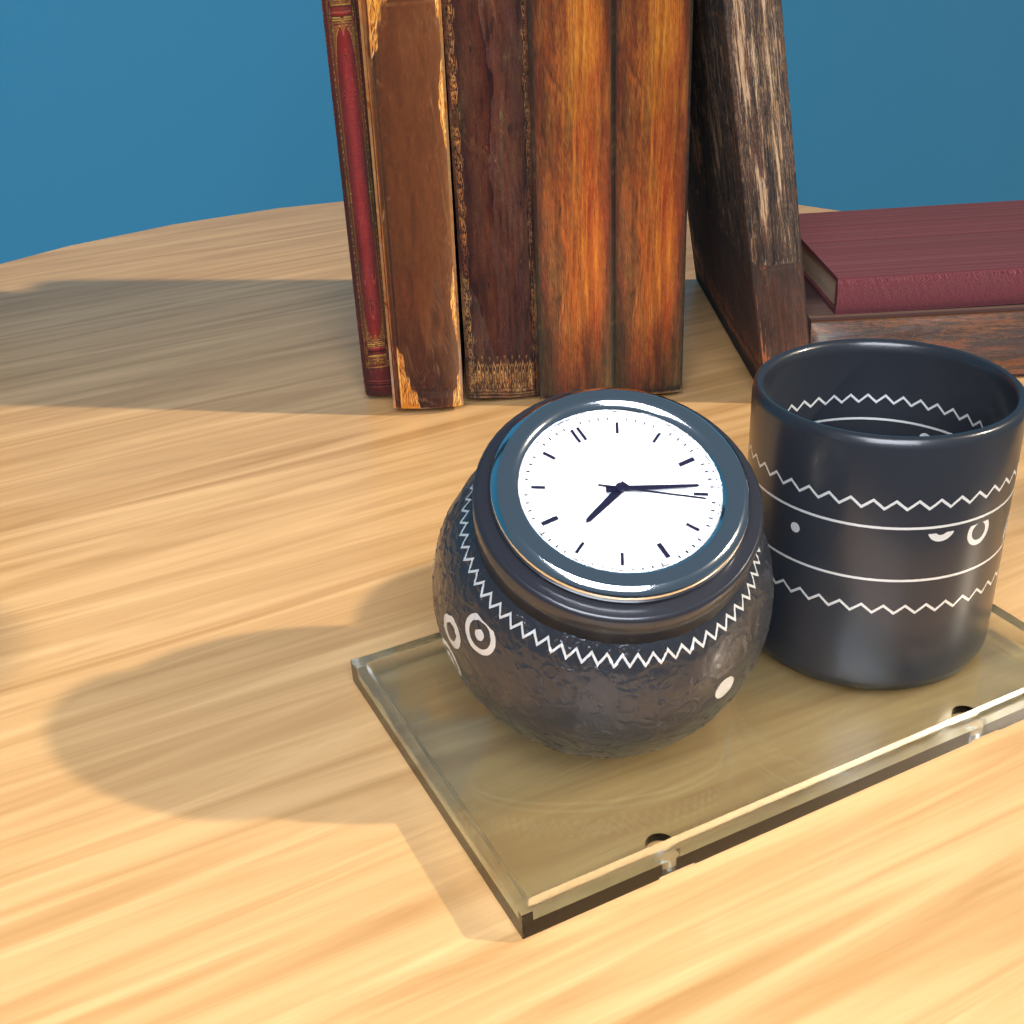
8,19,21
